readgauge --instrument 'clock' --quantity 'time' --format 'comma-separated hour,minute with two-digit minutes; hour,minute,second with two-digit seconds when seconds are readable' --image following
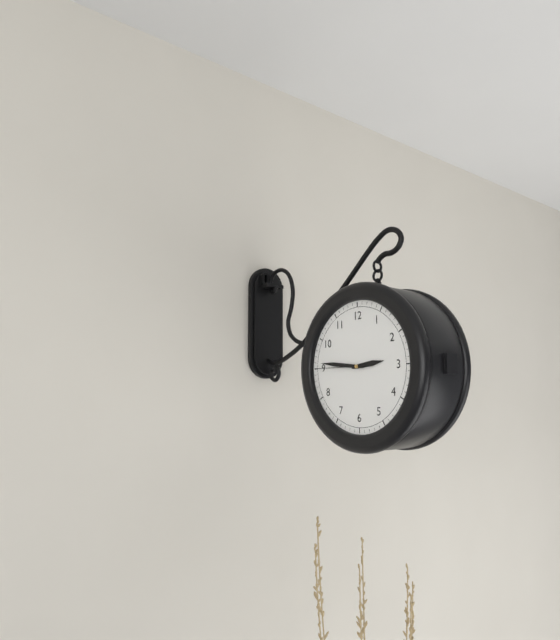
2,46
